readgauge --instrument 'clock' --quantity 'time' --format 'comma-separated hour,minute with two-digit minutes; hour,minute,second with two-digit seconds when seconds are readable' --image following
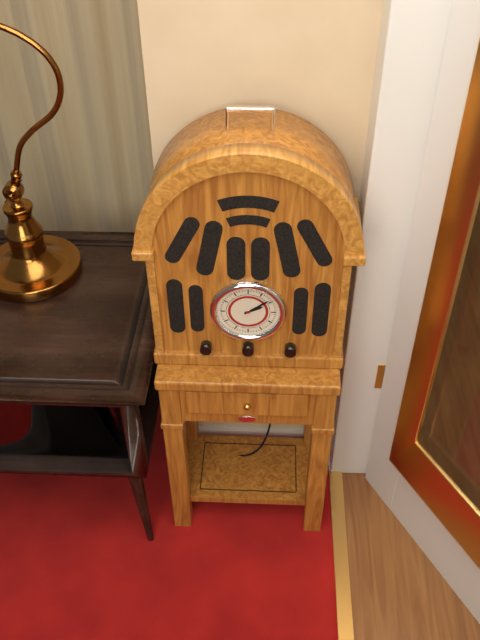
2,09
